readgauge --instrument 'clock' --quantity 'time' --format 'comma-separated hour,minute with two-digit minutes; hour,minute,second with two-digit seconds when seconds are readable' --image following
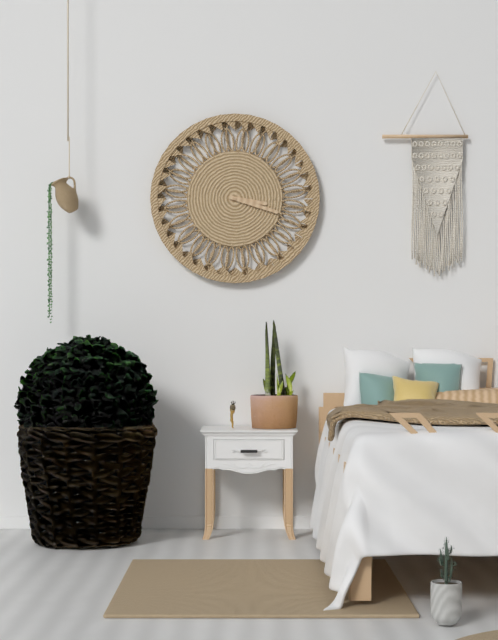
3,18
